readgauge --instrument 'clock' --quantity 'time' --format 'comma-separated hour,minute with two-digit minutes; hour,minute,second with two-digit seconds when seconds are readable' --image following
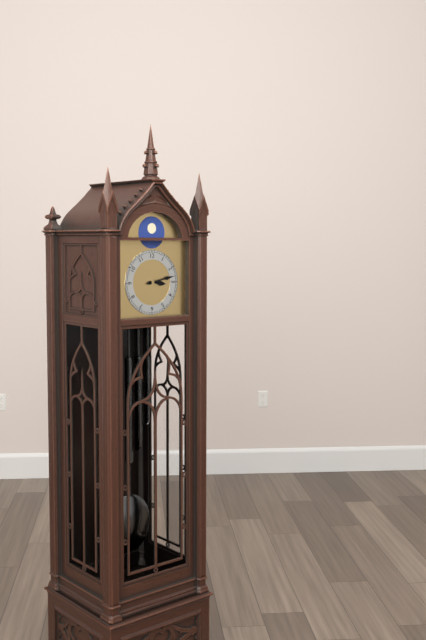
3,13
